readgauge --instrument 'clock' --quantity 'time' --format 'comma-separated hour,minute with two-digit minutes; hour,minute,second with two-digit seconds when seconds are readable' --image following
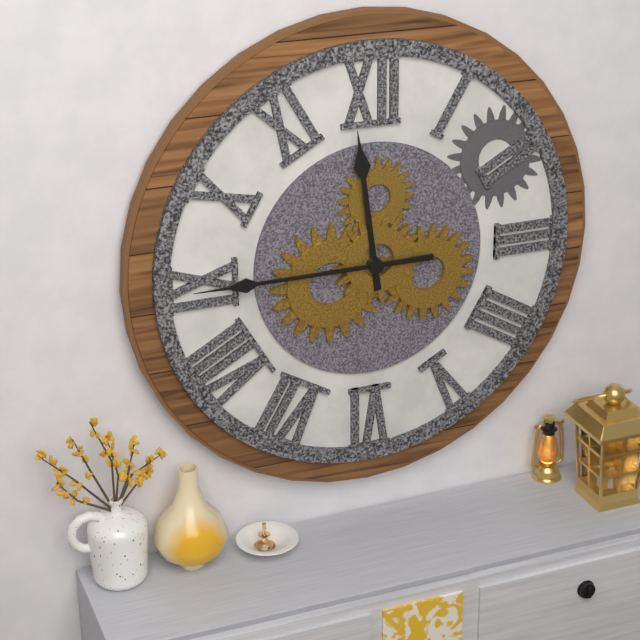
11,45
